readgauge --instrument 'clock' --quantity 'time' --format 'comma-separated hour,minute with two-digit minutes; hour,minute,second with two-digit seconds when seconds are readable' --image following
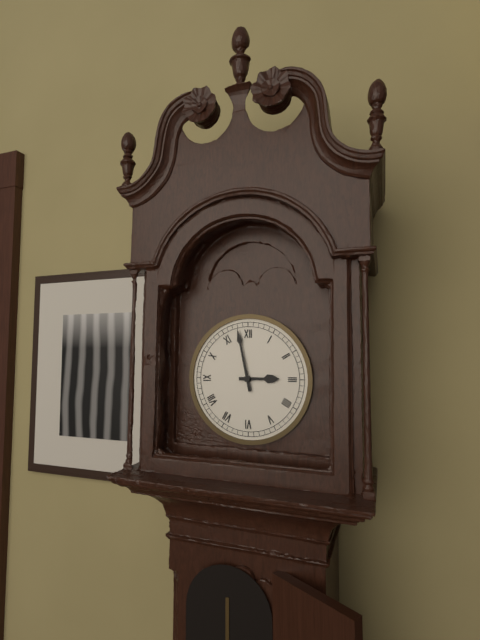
2,58
